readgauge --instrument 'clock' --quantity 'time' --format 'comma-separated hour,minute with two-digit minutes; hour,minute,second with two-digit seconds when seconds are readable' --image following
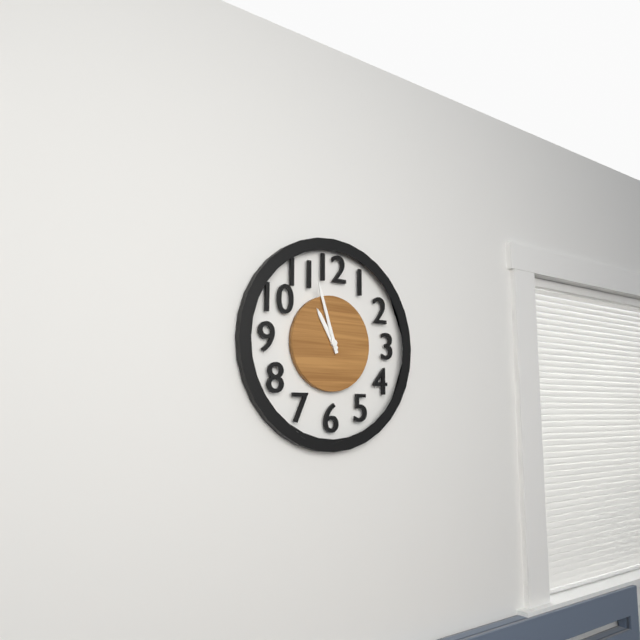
10,57
